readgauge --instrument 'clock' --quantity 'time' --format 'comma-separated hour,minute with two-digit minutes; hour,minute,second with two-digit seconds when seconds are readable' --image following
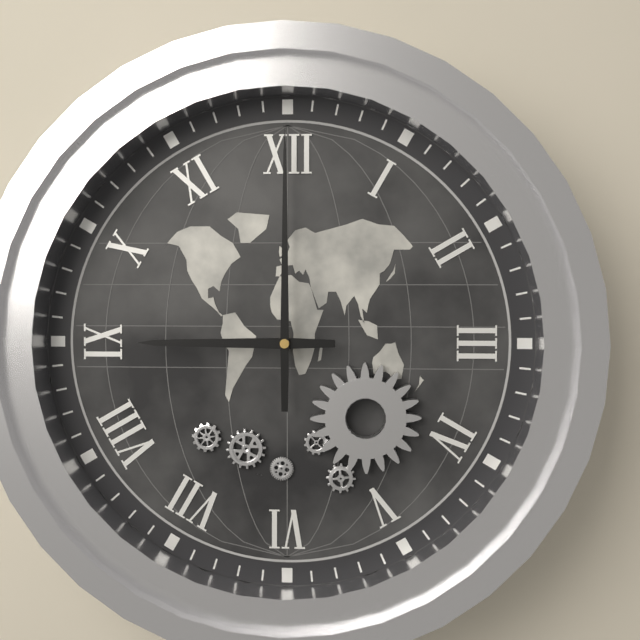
9,00
